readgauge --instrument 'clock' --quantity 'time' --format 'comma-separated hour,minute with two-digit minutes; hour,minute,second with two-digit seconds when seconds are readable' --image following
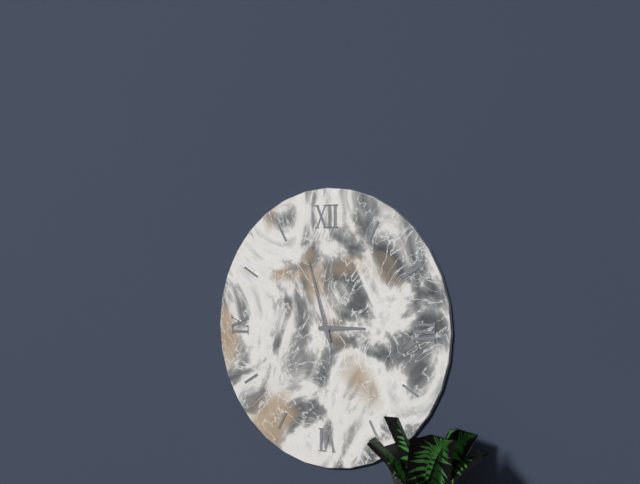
2,57
